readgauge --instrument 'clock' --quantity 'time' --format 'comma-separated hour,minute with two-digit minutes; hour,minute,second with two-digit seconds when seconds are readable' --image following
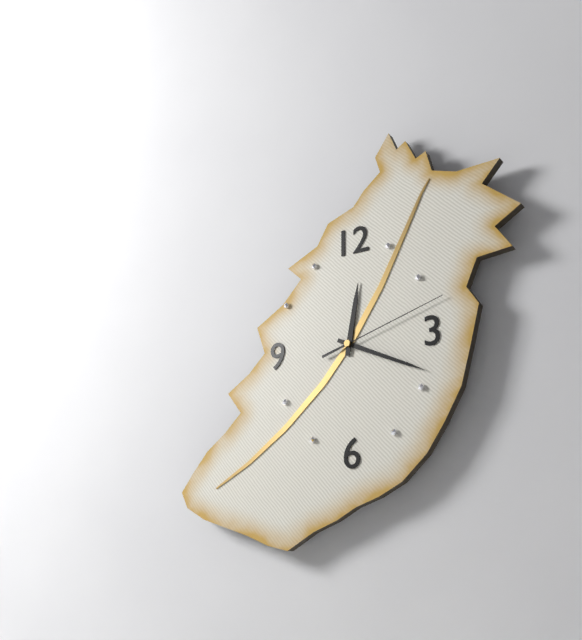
12,19,12
